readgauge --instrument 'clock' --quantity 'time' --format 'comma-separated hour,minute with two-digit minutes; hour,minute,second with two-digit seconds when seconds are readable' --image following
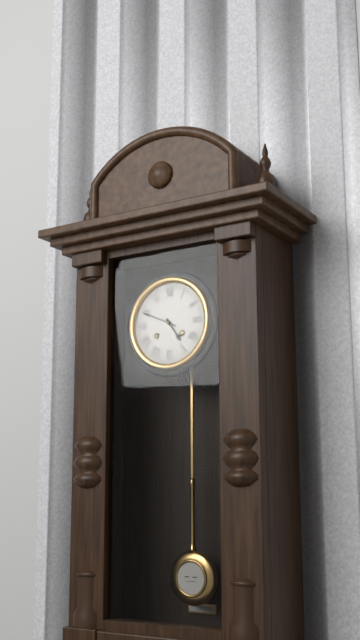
4,49
